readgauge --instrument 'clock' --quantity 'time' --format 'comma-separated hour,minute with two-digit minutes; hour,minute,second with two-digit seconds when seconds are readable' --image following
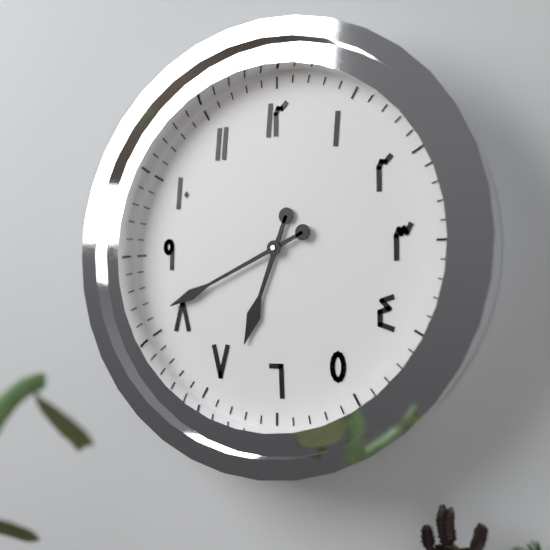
6,41
